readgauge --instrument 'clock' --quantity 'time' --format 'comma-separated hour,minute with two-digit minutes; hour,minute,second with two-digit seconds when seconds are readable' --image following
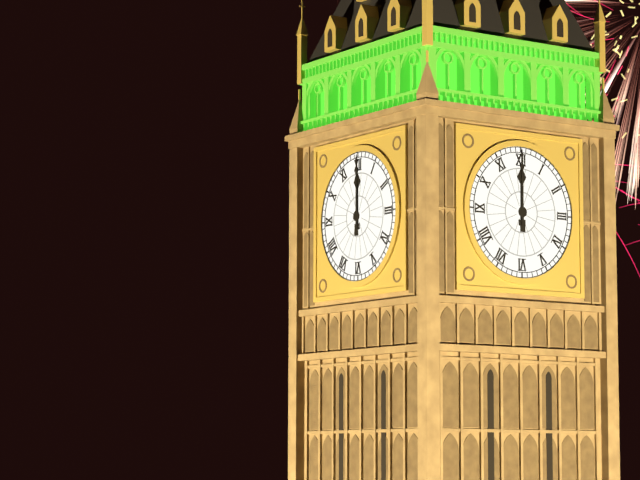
12,00
